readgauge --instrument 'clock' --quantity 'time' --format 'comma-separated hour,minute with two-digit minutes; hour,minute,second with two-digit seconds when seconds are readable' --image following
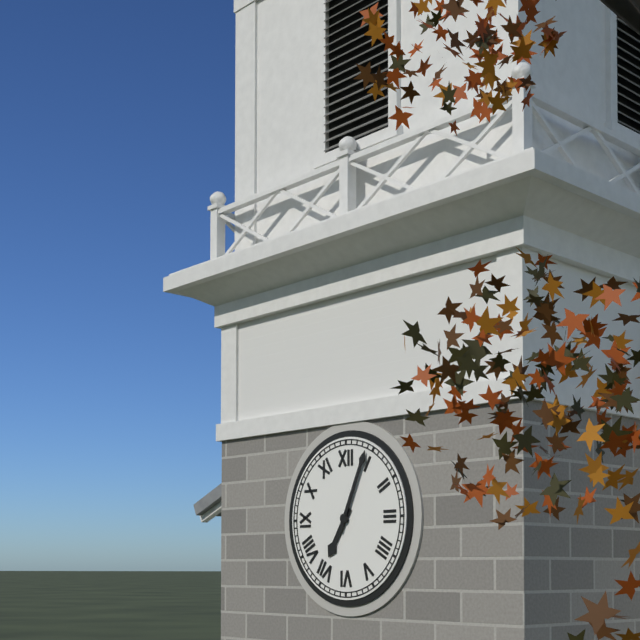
7,04
